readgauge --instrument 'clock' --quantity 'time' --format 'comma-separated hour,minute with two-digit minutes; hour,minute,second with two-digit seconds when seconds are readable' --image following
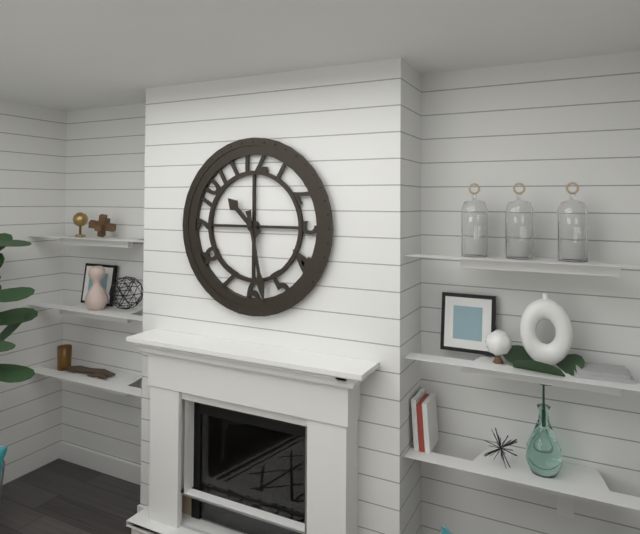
10,28
